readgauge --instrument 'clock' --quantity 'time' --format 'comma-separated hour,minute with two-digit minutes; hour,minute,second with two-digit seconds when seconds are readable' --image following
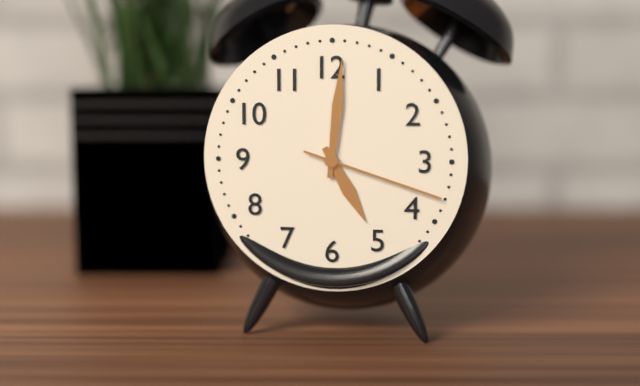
5,01,18
